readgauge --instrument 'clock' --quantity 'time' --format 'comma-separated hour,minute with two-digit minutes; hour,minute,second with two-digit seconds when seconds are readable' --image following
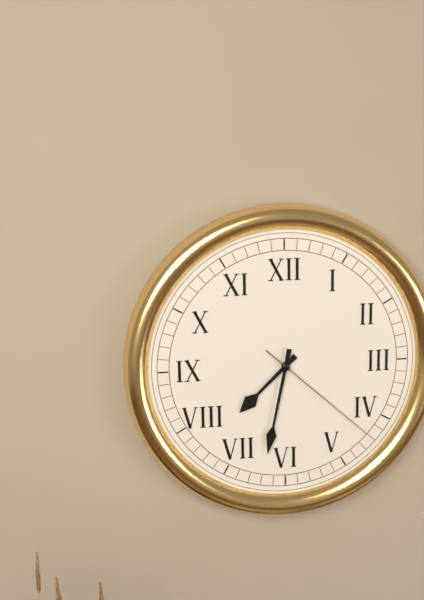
7,32,22
